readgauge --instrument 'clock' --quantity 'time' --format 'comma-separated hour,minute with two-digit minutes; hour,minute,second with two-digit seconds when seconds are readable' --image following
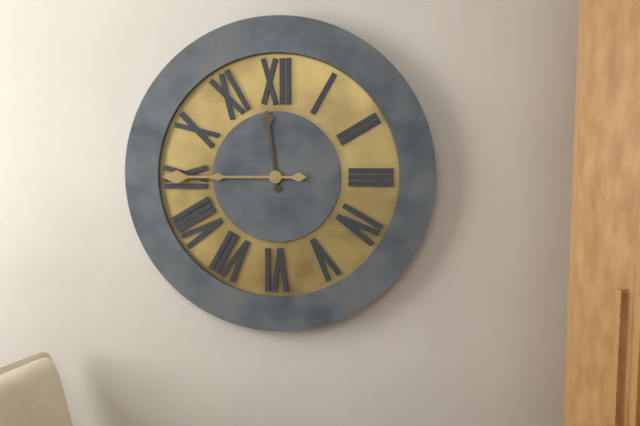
11,45
